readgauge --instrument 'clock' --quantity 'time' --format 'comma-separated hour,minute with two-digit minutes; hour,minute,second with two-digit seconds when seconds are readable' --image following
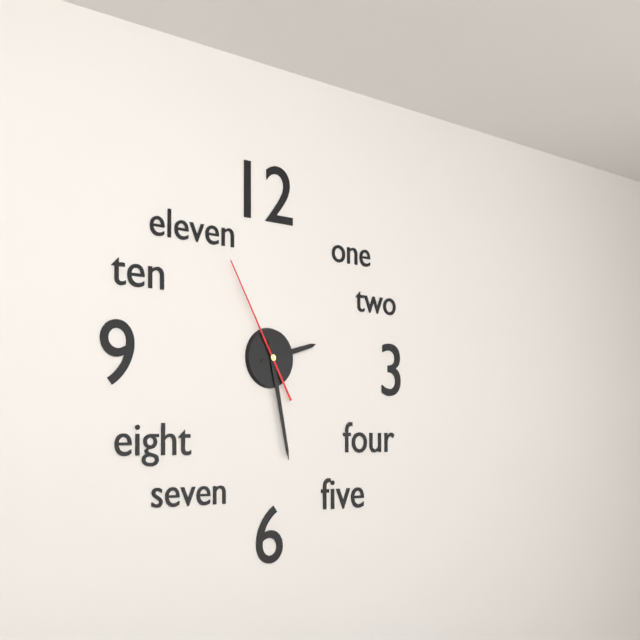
2,28,55
